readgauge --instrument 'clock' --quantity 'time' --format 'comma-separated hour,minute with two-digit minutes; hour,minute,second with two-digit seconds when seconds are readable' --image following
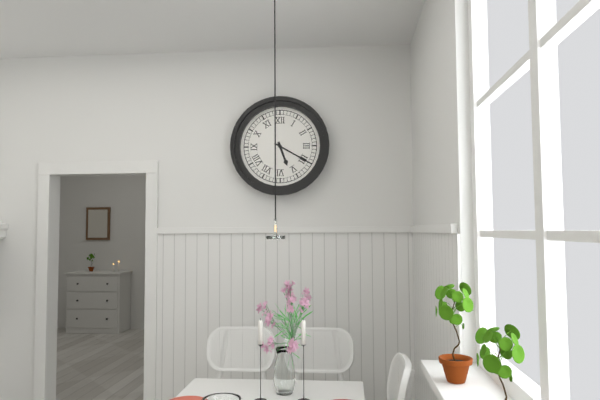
5,20
